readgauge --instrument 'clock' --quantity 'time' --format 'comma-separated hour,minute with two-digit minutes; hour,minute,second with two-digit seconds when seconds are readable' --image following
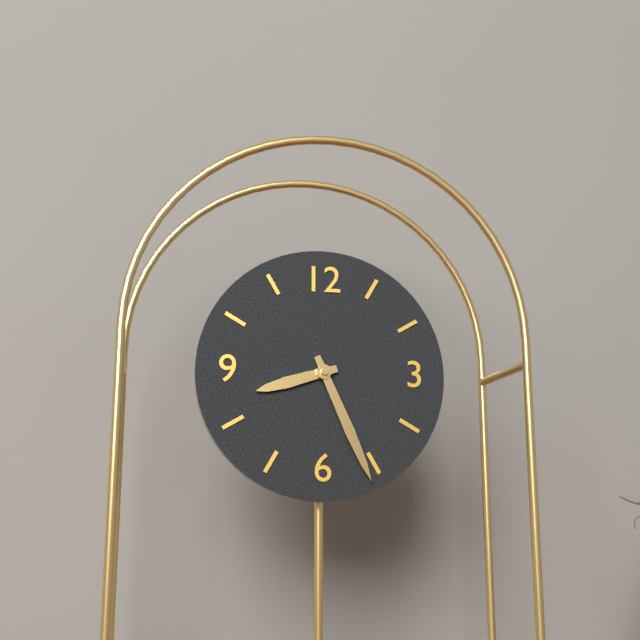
8,26
